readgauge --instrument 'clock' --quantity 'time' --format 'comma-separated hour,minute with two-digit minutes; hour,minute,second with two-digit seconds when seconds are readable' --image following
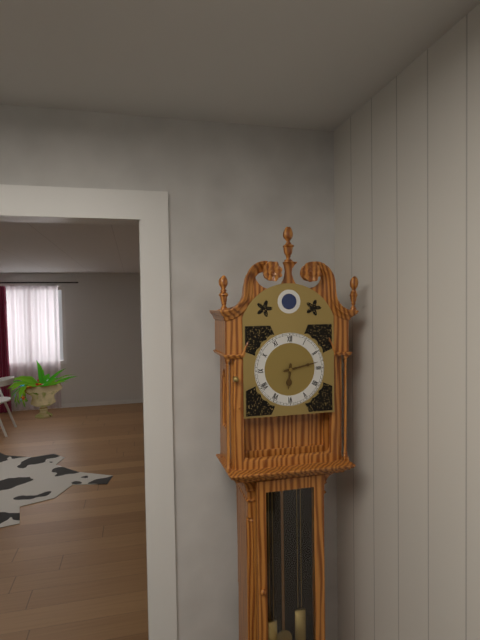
6,13
